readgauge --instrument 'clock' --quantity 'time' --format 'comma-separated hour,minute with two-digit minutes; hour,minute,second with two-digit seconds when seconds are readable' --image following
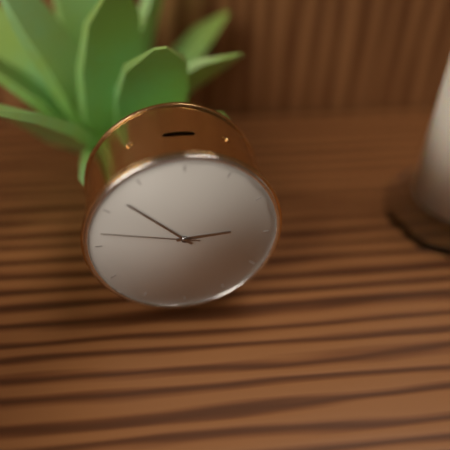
2,52,47
